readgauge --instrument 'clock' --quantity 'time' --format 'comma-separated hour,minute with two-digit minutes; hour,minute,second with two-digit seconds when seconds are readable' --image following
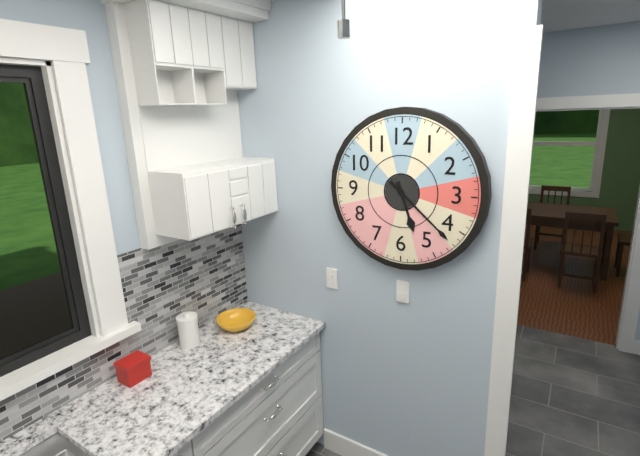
5,22
